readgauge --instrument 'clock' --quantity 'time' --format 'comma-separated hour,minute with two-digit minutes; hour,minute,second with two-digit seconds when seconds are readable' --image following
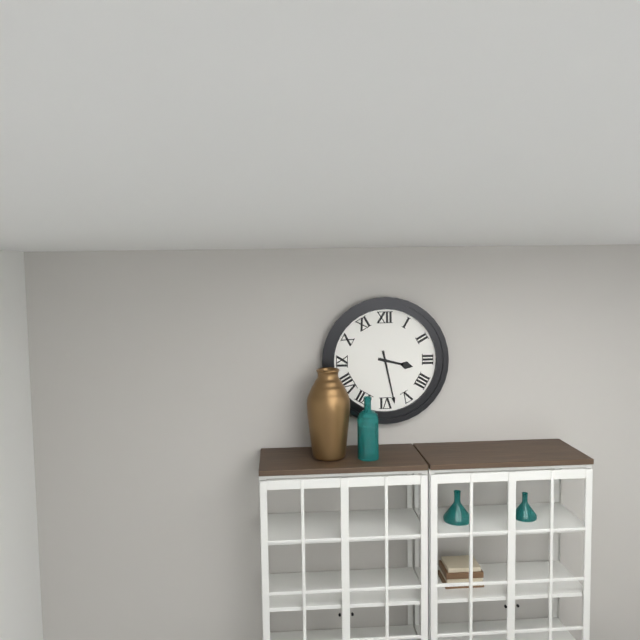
3,28
